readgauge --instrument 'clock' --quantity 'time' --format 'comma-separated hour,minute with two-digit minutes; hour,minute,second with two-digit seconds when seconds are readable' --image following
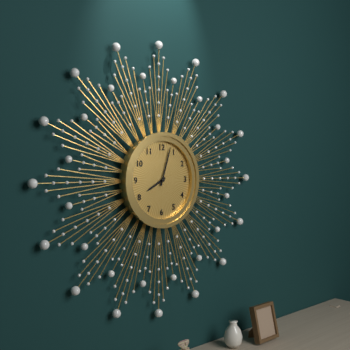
8,03
